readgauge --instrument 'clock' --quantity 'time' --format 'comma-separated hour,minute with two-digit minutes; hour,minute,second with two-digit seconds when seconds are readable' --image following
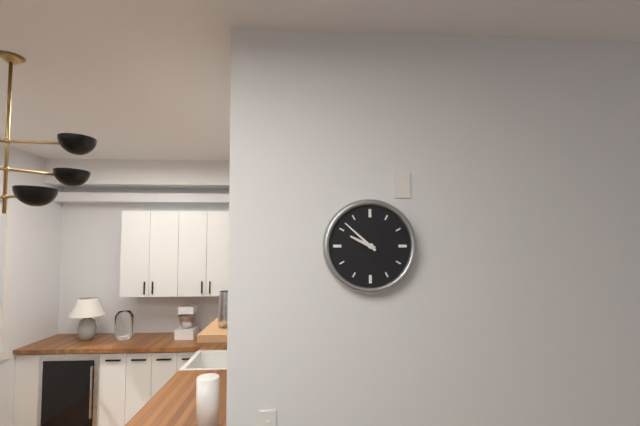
9,52
